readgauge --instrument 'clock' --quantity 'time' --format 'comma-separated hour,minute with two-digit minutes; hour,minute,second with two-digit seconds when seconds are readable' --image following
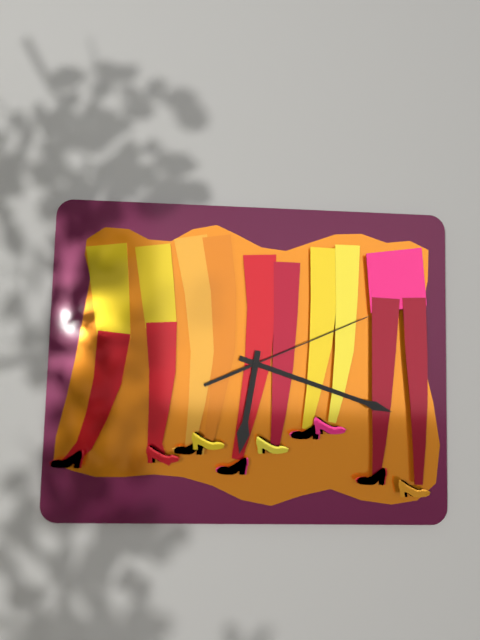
6,18,11
